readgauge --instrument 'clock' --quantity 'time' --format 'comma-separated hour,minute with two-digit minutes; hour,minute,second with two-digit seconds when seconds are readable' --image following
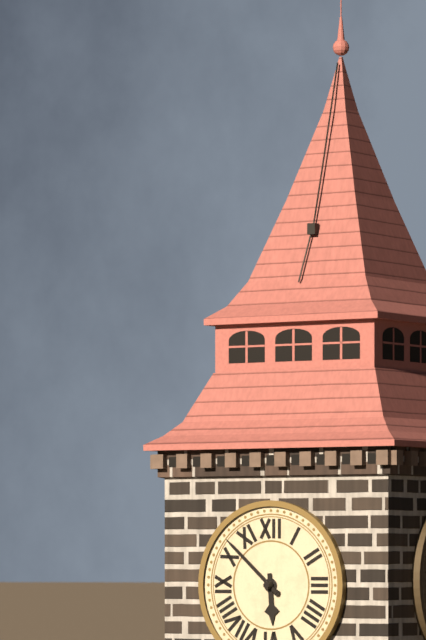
5,52
